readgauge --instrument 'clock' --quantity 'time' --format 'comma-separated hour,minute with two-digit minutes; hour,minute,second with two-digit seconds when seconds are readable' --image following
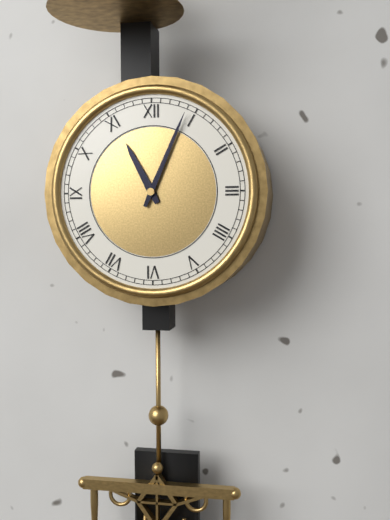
11,04
